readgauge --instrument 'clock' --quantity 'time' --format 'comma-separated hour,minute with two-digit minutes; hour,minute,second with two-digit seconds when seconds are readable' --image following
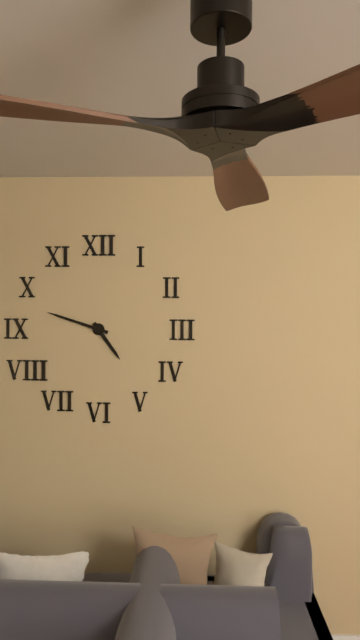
4,48
